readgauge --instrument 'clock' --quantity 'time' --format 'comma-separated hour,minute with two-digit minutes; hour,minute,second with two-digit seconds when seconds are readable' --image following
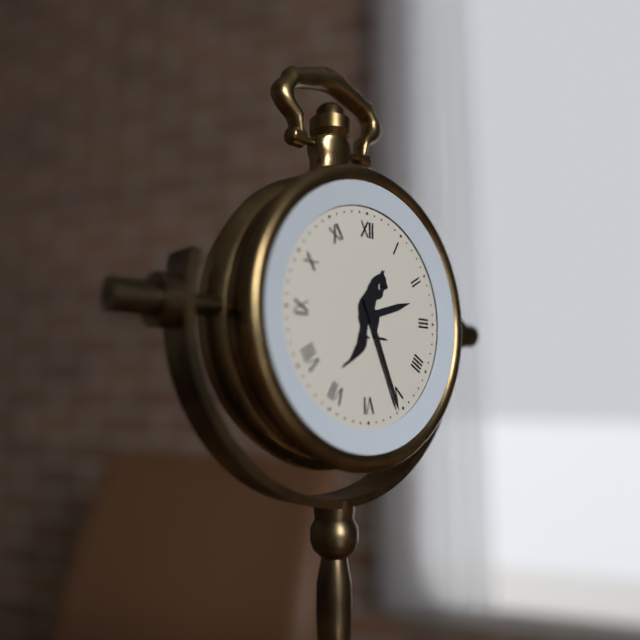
2,26
